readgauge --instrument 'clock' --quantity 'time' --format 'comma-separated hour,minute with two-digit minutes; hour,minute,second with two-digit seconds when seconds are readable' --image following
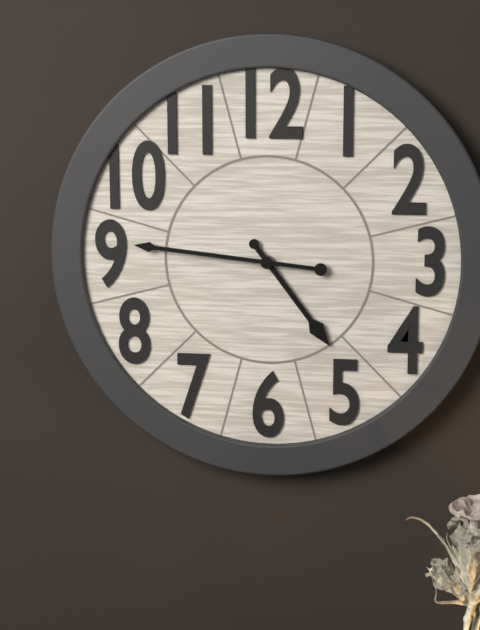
4,46
